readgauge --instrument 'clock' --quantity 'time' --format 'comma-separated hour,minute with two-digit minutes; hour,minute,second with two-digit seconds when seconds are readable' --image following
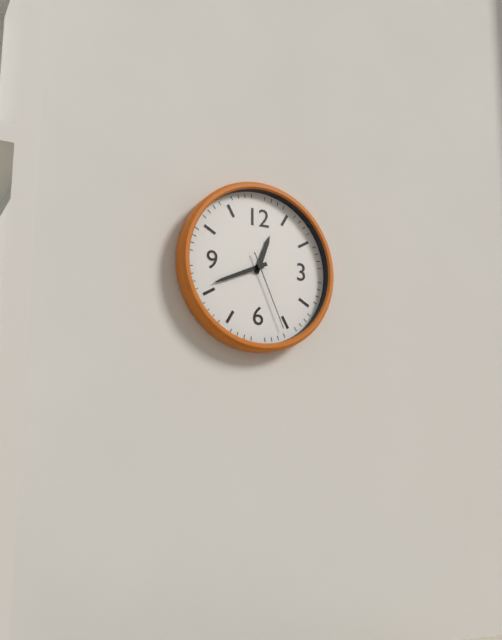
12,41,26
